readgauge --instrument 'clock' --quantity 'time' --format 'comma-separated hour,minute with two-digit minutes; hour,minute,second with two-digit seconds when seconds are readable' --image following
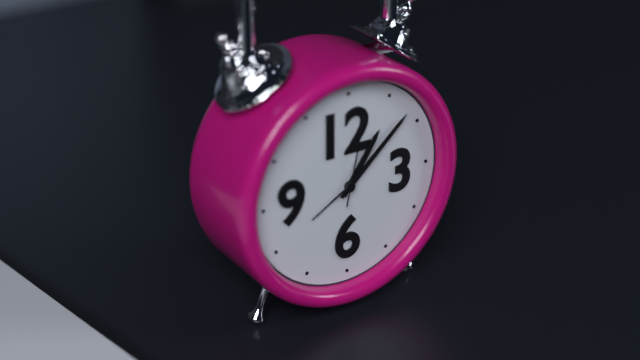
1,08,02
